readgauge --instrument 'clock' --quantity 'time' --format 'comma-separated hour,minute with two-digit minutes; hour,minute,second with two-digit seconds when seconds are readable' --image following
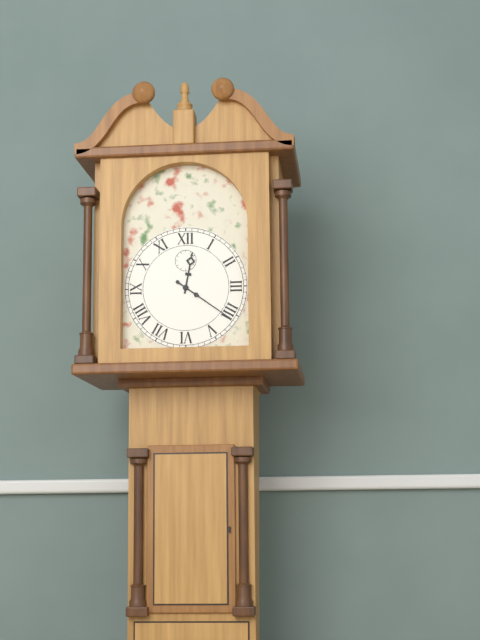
12,21
